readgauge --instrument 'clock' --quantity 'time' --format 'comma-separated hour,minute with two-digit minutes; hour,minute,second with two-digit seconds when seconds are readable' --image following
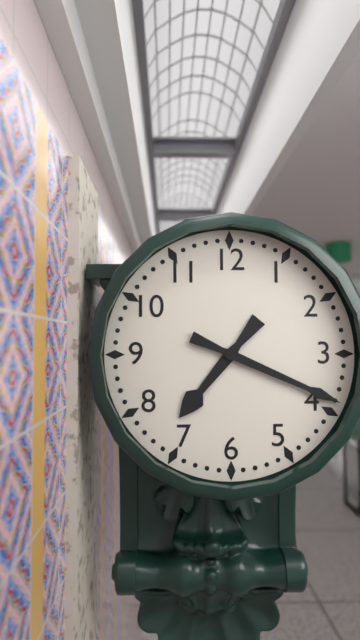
7,19
